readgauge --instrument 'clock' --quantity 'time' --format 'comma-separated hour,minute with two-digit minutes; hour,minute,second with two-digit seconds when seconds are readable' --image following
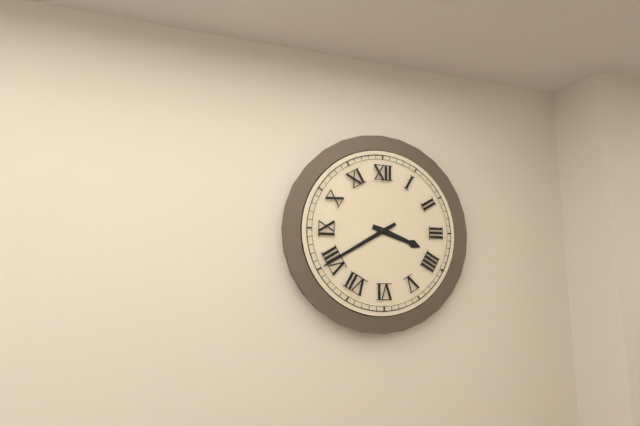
3,40
